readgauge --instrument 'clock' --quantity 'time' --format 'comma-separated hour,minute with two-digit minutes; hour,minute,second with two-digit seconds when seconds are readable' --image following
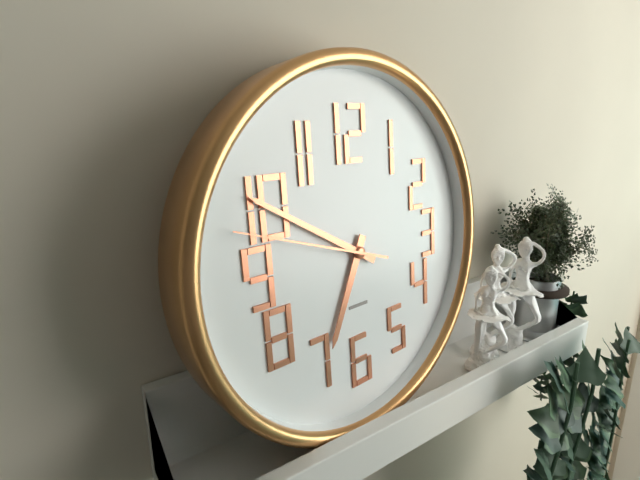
6,50,48
